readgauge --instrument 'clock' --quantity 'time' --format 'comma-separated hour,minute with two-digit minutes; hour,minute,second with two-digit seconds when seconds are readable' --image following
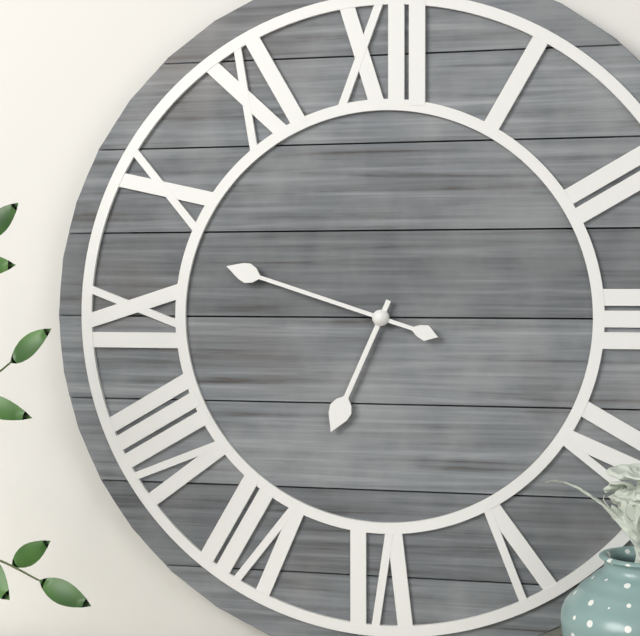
6,48
